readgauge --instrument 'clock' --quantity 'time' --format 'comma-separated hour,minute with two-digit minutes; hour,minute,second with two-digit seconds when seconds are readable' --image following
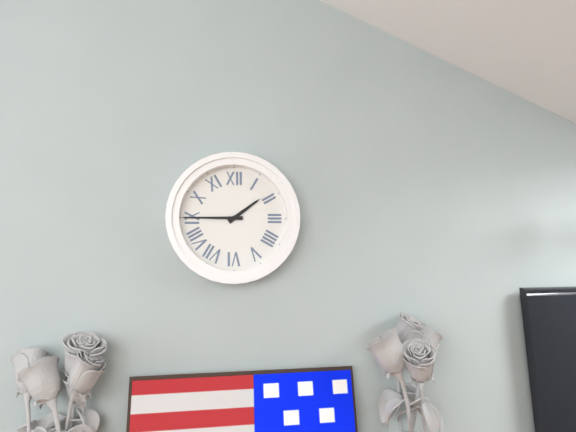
1,45
